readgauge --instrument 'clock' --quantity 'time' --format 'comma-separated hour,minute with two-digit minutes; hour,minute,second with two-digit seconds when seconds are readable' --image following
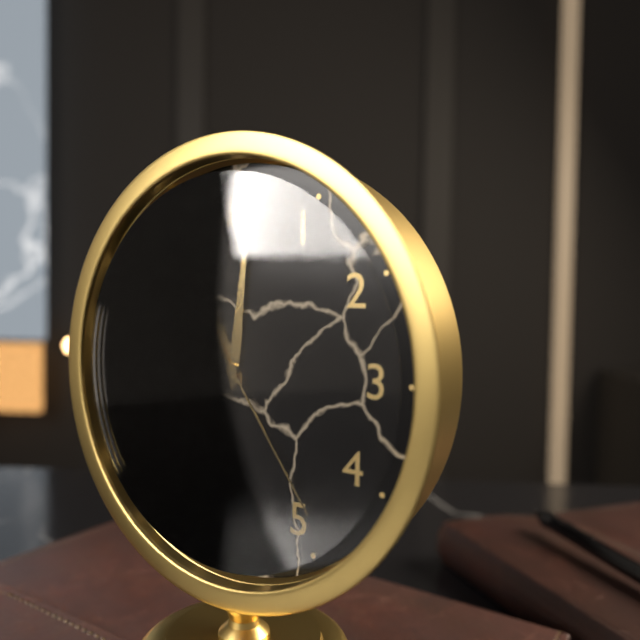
11,01,24
